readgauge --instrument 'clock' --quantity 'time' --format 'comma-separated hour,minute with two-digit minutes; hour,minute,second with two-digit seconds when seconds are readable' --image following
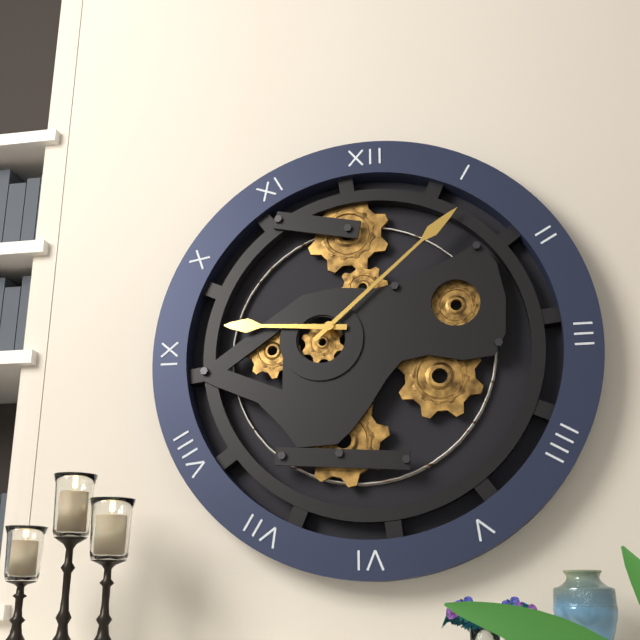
9,08
